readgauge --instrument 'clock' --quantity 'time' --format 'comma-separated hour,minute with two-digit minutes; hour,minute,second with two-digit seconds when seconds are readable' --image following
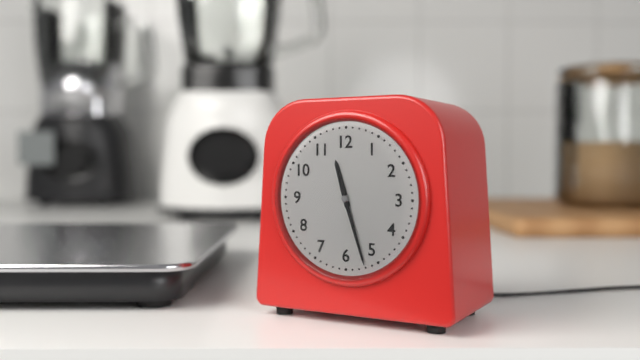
11,27
